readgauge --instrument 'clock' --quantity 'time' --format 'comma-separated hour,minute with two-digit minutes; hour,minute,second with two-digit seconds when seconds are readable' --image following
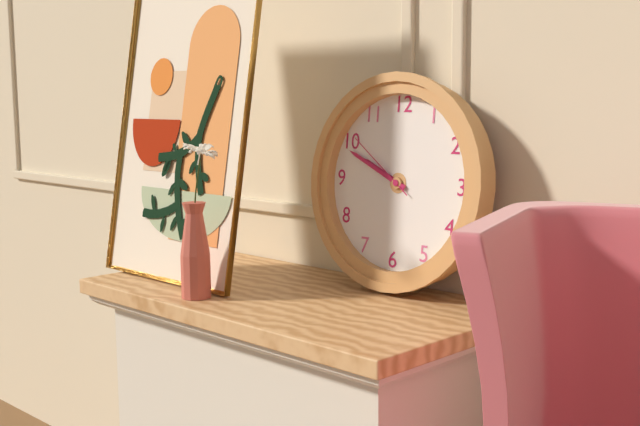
9,49,51
